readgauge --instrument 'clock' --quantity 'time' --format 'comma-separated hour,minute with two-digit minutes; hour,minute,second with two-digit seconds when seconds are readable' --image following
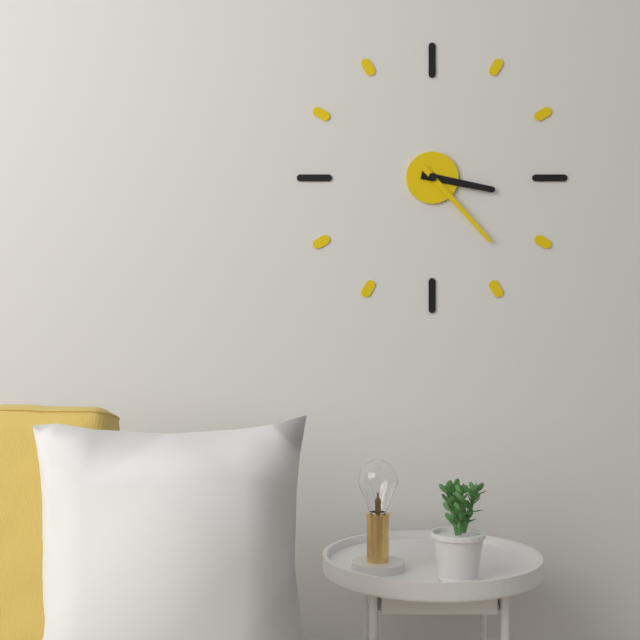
3,23
